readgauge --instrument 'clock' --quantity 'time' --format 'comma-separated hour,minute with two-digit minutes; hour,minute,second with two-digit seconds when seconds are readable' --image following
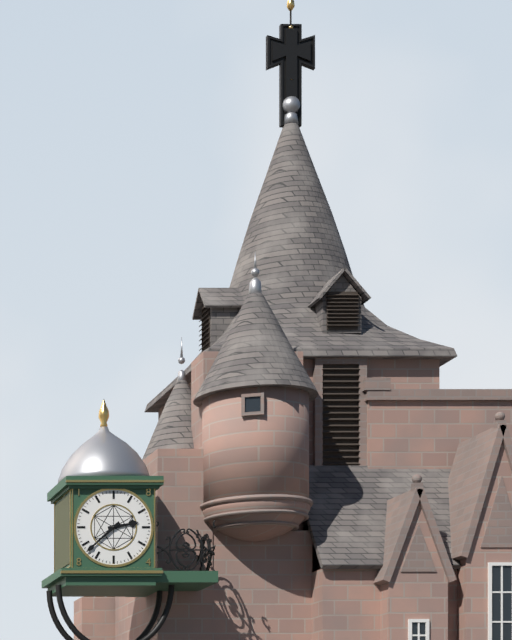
2,38
